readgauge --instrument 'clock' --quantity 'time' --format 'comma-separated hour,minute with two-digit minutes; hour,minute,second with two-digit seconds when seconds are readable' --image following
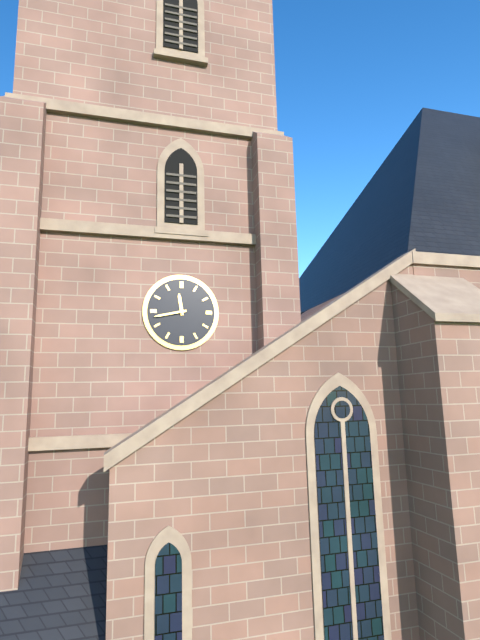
11,43
